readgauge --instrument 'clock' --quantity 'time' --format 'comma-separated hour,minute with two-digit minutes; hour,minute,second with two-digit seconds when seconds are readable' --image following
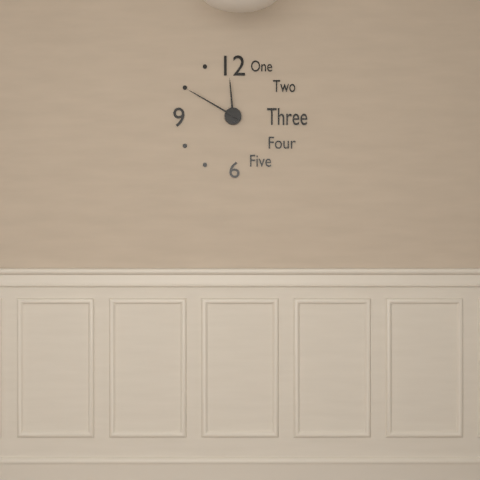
11,50
